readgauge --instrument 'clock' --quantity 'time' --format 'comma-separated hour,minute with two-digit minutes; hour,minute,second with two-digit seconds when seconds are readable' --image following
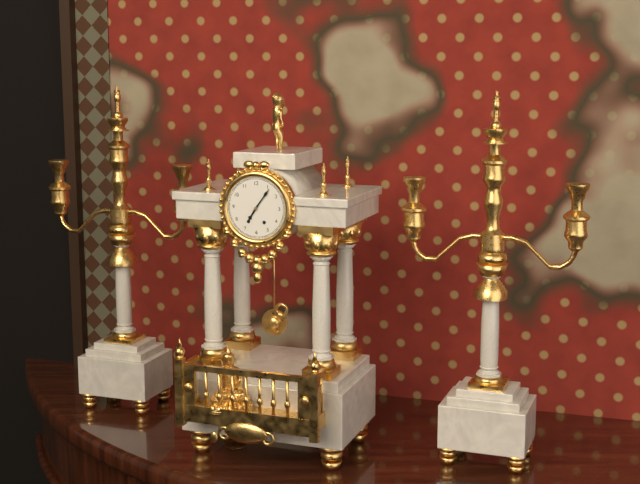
7,06
